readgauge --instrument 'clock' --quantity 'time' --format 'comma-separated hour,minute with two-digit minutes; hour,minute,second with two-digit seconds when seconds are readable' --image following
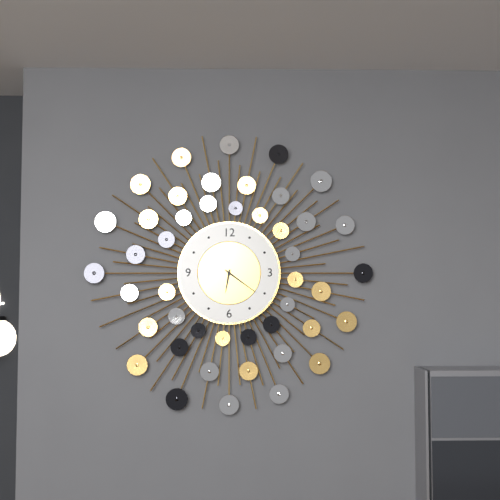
6,21
